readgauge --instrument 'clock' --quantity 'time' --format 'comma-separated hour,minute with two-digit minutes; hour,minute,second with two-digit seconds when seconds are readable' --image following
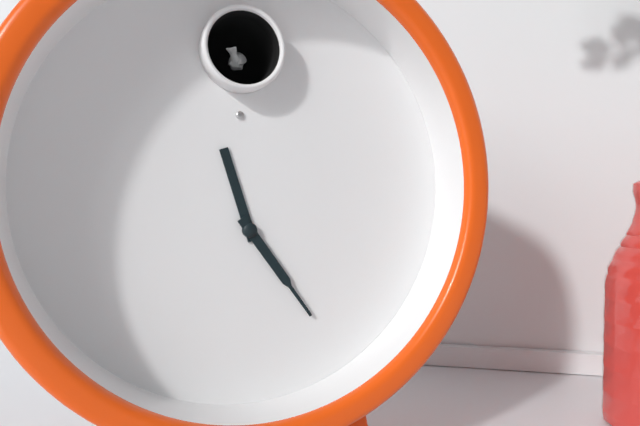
11,24
